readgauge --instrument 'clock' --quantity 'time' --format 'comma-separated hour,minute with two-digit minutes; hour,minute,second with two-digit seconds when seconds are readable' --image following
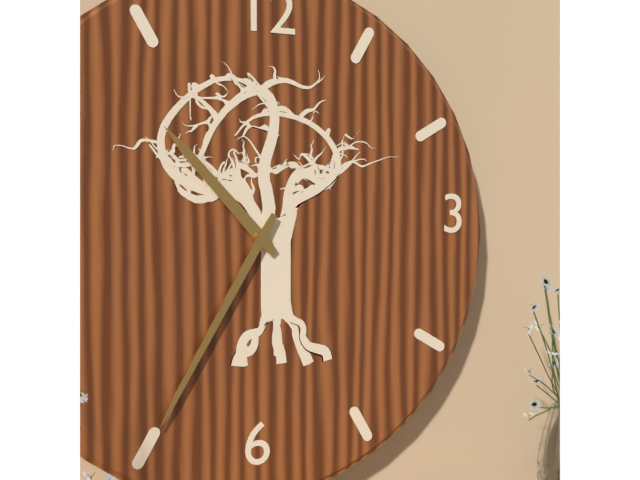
10,35
